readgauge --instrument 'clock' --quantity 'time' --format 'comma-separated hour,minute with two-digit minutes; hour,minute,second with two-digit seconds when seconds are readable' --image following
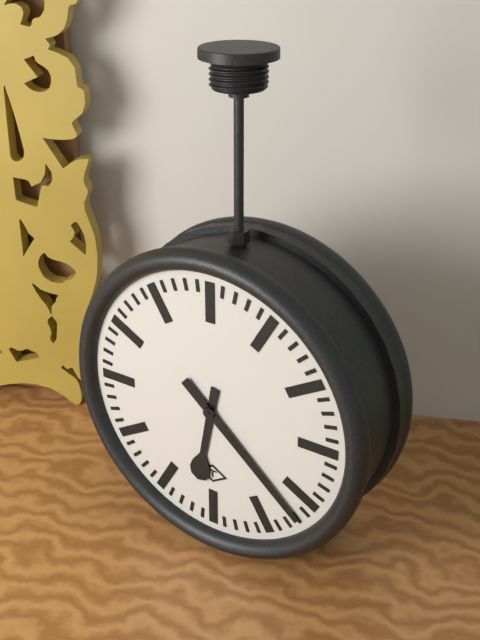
6,22
